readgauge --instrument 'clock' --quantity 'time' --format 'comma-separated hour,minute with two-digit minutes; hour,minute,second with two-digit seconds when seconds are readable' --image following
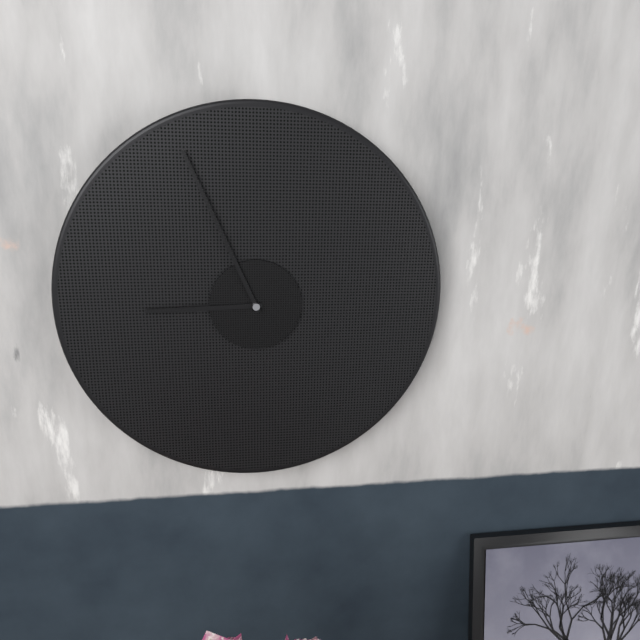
8,56
